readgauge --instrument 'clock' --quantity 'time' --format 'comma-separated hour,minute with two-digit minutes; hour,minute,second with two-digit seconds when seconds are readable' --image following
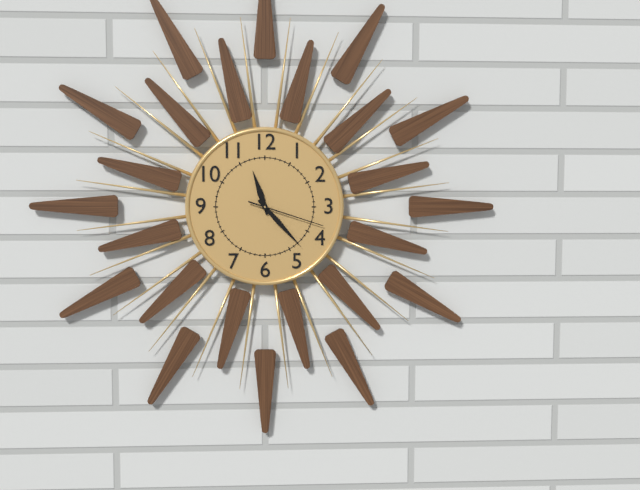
11,23,18
